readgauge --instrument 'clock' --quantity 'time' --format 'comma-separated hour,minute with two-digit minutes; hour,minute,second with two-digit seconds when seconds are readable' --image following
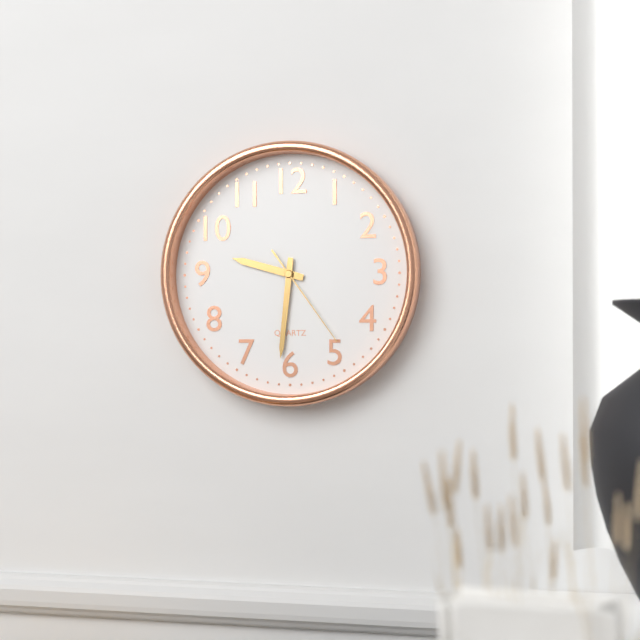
9,31,24
